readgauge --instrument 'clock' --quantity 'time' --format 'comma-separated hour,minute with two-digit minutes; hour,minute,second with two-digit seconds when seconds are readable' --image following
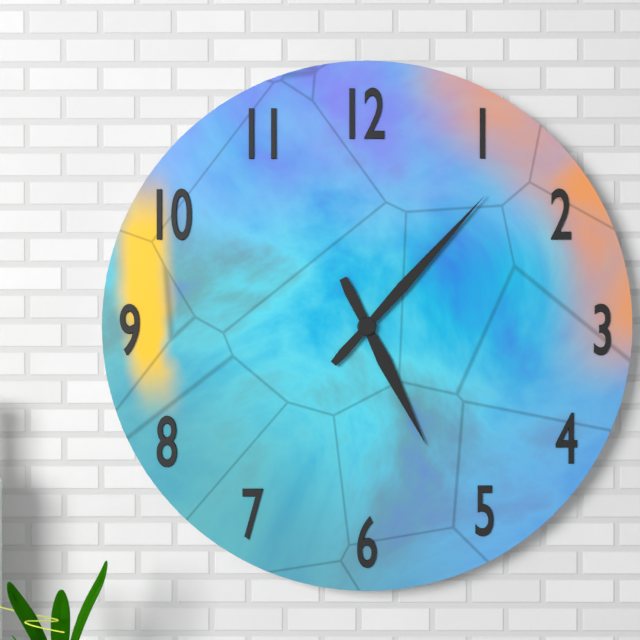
5,07
